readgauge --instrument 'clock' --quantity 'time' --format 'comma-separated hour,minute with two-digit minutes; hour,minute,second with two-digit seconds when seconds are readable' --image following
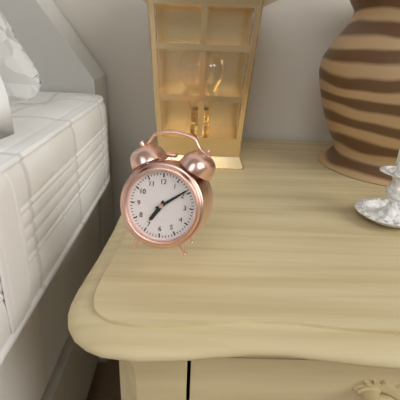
7,09
